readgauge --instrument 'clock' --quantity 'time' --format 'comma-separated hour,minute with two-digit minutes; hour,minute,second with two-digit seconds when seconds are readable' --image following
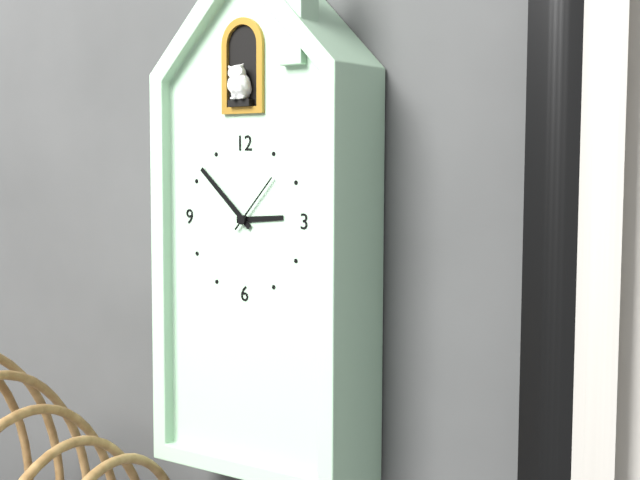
2,52,07
